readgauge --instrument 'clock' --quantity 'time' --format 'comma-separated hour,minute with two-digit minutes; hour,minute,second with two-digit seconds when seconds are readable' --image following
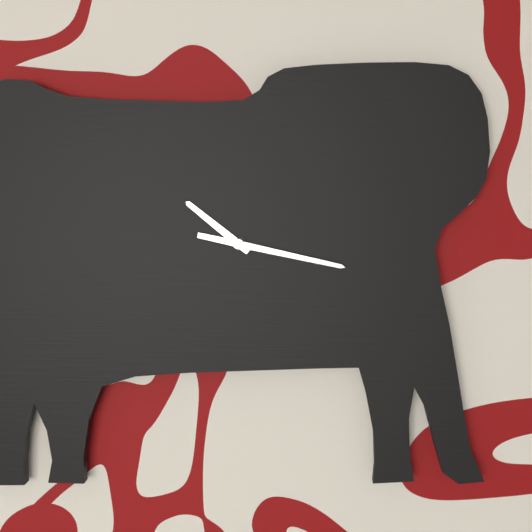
10,17
